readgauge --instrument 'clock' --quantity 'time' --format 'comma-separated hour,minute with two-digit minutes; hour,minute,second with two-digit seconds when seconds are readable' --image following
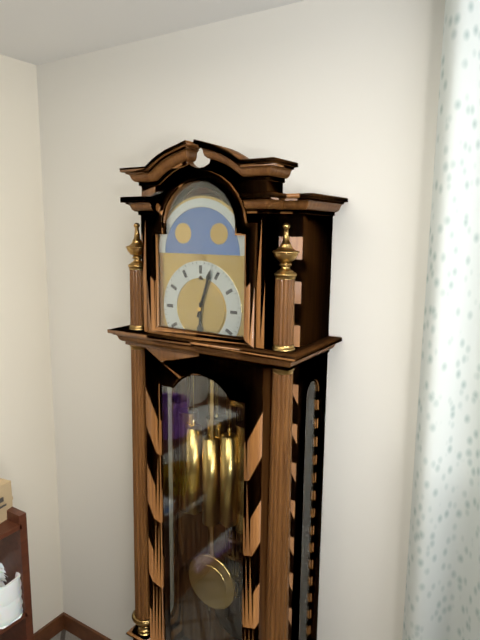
6,03
